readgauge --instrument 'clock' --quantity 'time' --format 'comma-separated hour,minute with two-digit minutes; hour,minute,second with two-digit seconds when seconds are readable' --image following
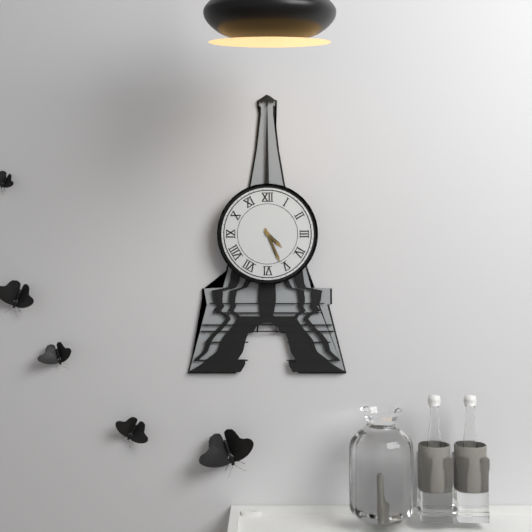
4,26
